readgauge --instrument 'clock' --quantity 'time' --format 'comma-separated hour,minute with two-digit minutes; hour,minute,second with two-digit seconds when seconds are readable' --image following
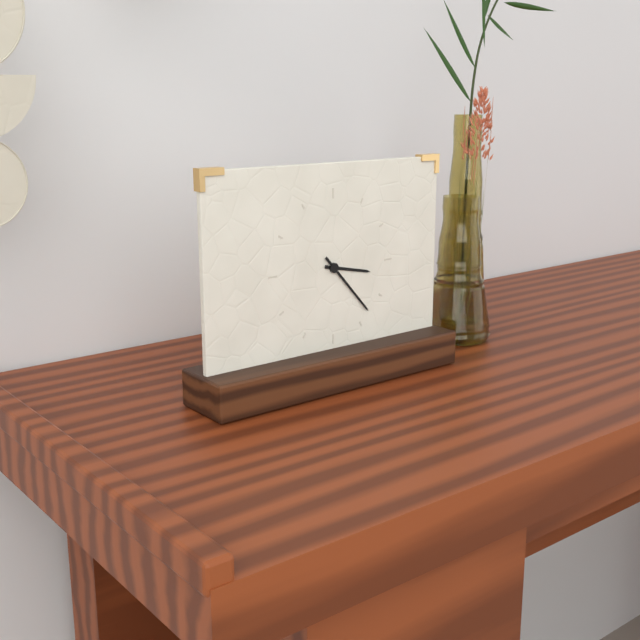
3,23
